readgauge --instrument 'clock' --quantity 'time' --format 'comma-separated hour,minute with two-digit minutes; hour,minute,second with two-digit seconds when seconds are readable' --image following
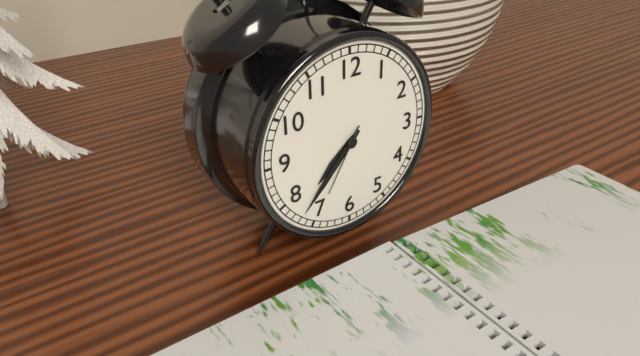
7,37,35
